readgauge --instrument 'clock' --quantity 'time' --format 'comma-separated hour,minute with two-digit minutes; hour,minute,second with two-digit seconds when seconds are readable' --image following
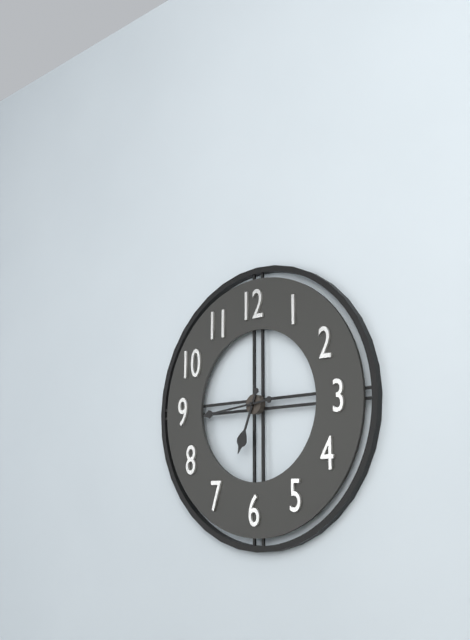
6,44
